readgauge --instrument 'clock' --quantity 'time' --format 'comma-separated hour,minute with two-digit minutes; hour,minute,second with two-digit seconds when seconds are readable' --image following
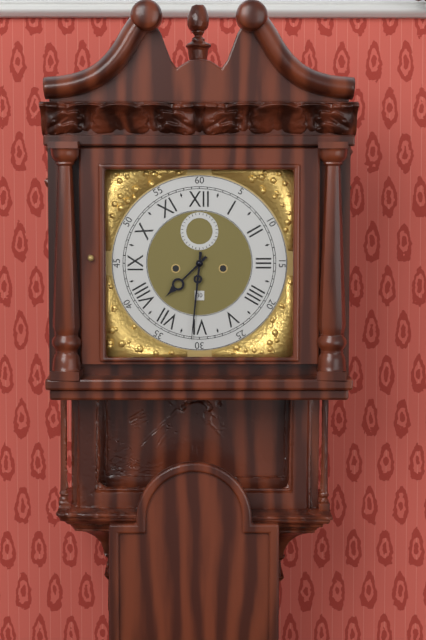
7,31
